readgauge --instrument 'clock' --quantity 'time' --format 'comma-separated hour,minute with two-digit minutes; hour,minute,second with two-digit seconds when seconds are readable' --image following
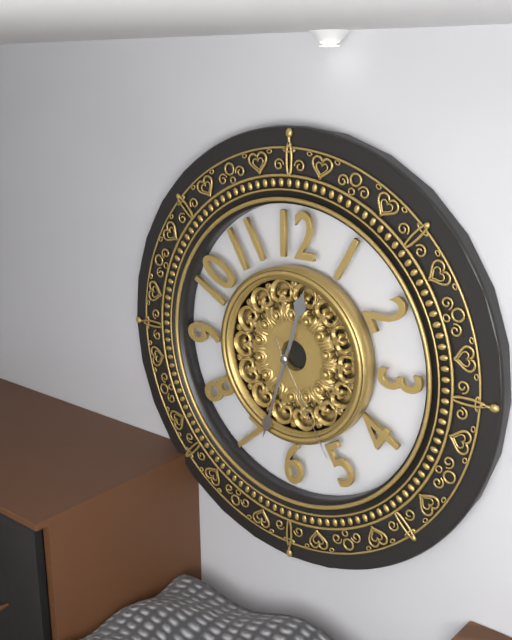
12,33,25
